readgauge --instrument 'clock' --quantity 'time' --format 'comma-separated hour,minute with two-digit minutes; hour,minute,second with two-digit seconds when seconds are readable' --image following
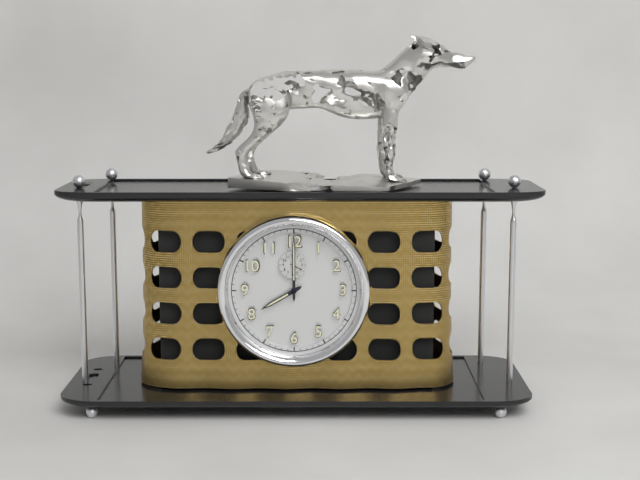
8,00
